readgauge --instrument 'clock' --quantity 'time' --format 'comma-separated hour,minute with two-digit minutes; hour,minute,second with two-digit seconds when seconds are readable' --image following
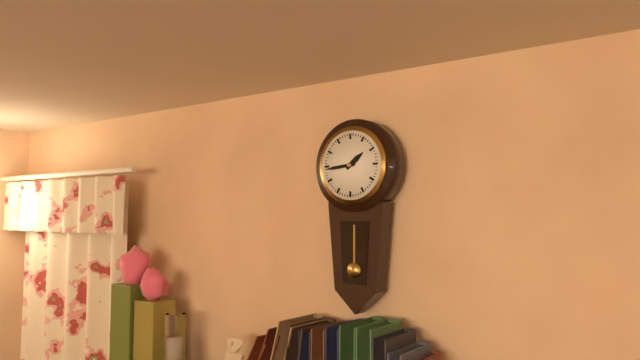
1,44
